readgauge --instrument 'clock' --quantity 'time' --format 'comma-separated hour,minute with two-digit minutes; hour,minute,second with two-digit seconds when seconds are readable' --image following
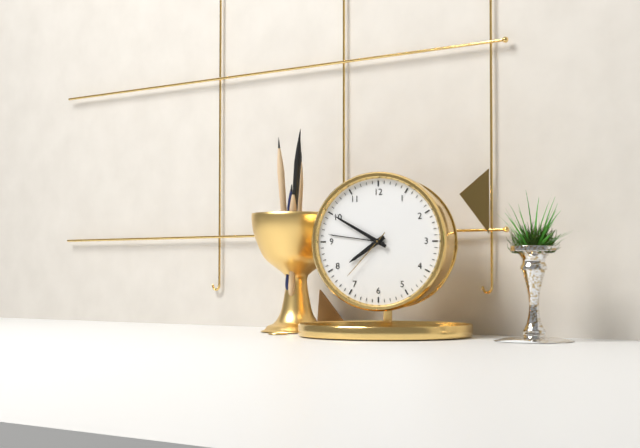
7,50,37
